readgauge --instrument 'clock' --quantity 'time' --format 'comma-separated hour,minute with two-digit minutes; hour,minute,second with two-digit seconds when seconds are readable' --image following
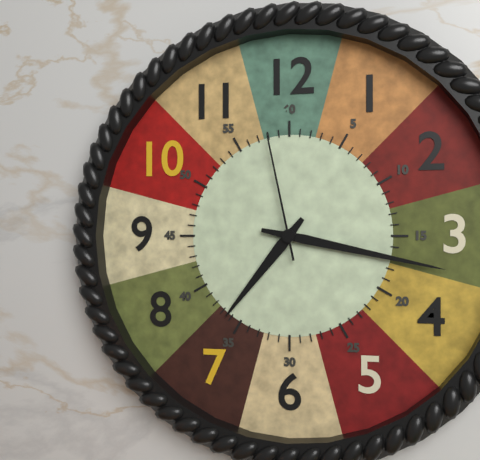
7,17,58
